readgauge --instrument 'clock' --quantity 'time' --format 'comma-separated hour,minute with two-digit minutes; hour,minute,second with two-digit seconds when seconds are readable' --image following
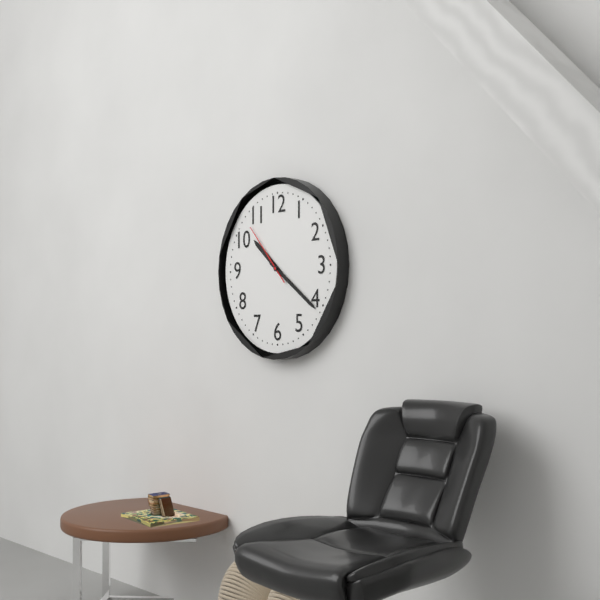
10,21,53
